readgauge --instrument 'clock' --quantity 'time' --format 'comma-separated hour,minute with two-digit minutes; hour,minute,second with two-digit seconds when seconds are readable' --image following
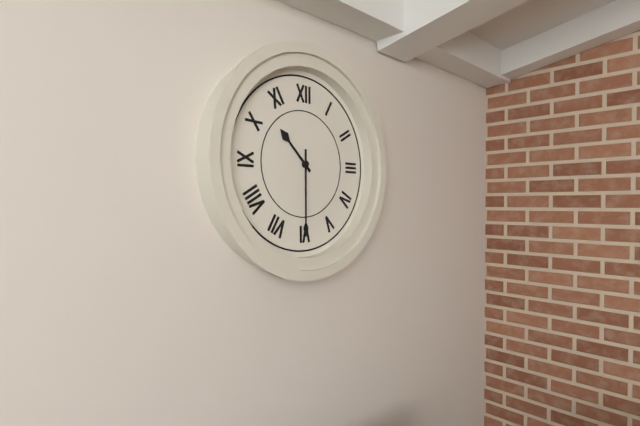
10,30
